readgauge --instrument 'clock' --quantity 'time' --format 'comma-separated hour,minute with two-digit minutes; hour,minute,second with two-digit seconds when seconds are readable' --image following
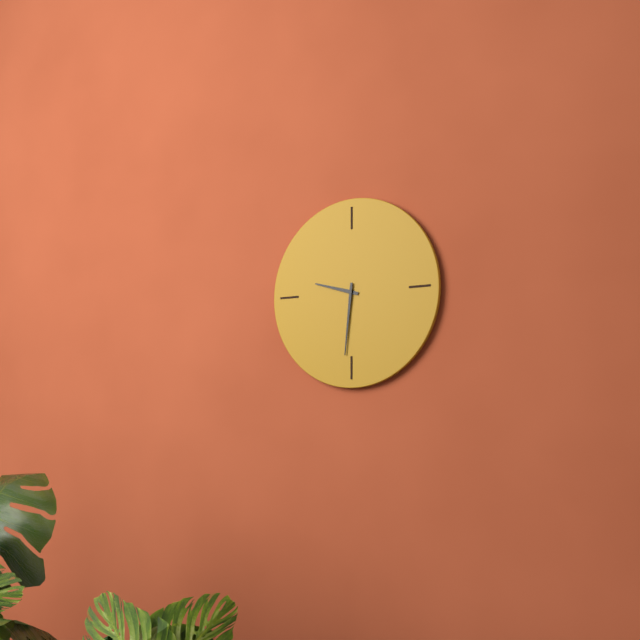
9,31
